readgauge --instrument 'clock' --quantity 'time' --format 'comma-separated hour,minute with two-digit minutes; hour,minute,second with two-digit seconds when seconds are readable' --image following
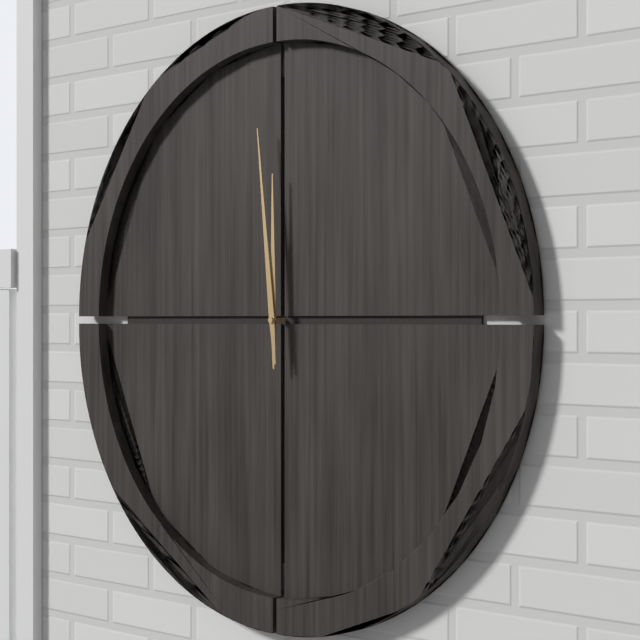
11,59
